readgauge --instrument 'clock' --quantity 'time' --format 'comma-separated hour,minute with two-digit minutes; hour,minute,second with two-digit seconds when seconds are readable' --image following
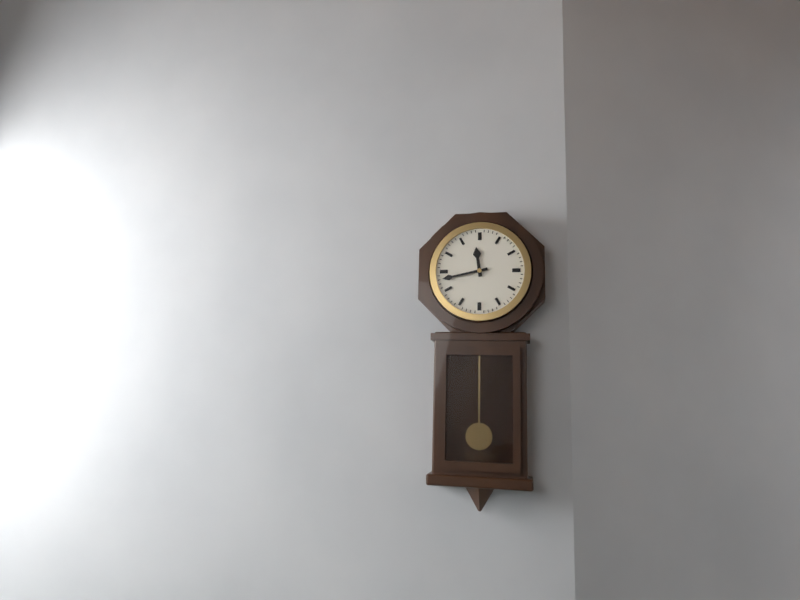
11,43
